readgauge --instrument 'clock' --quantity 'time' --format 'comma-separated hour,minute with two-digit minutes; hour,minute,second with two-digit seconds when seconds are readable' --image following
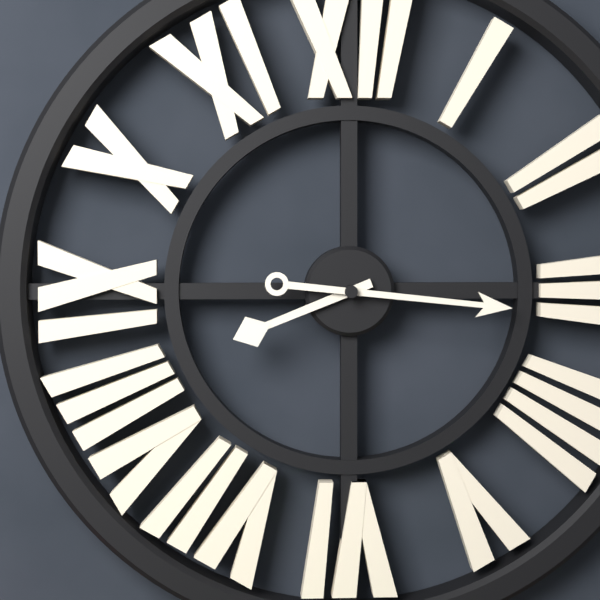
8,16
